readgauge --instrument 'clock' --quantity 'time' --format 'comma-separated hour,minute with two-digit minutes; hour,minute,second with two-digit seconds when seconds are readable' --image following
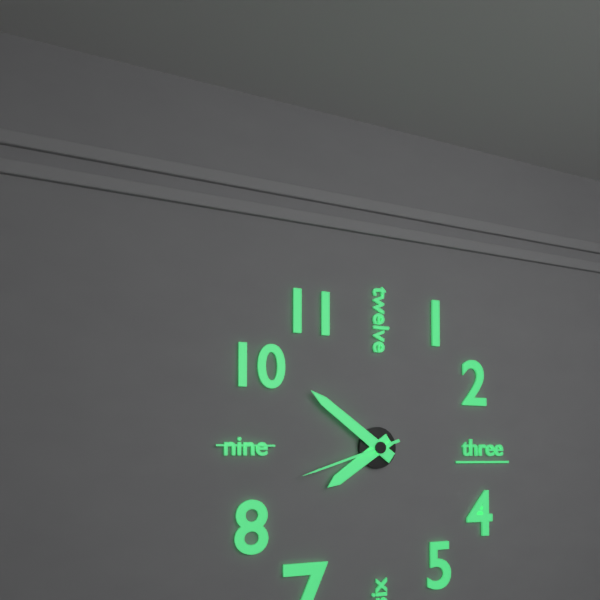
7,51,42
